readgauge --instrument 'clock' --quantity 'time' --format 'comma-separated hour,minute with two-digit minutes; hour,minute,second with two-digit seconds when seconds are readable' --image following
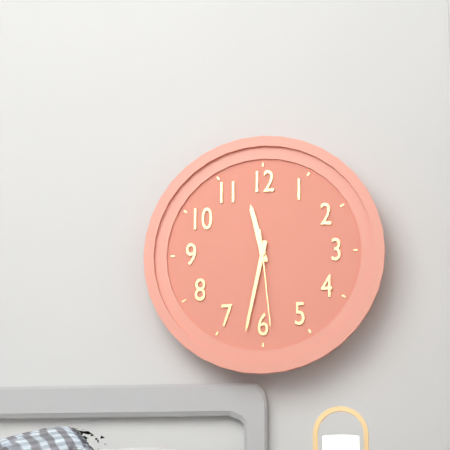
11,32,29
